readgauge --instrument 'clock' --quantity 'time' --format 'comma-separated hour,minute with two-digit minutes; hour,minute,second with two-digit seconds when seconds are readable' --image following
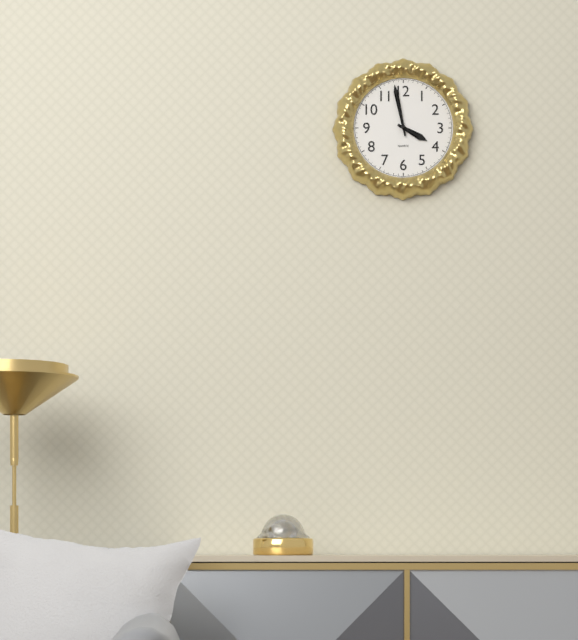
3,58
